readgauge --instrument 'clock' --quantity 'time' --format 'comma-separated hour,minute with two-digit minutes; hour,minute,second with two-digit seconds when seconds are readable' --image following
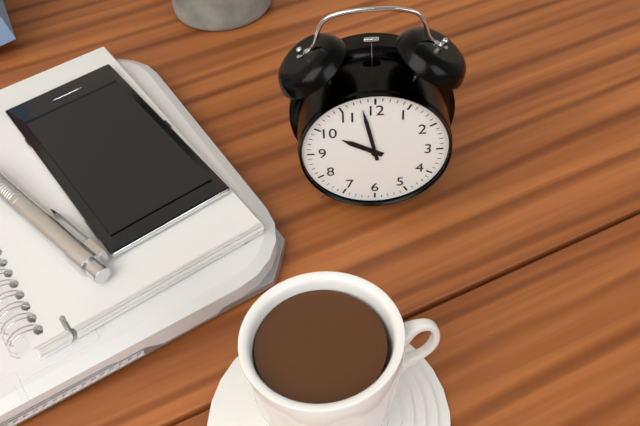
9,58
